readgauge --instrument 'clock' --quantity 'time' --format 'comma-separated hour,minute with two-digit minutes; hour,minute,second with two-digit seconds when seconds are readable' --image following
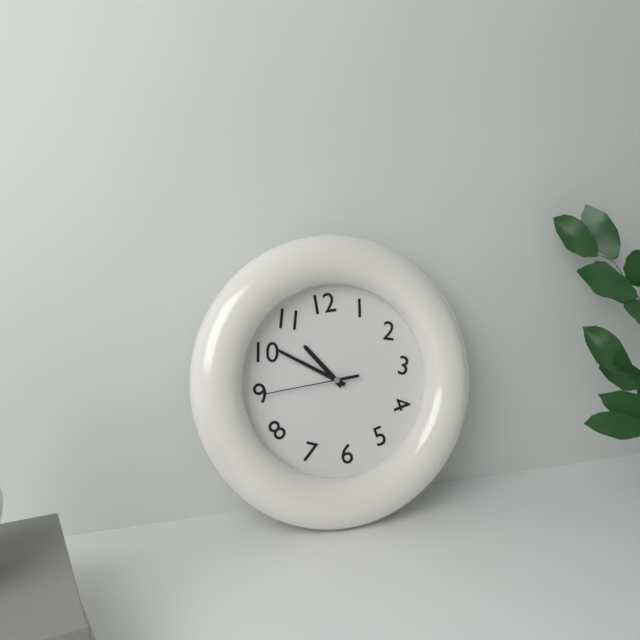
10,51,45
